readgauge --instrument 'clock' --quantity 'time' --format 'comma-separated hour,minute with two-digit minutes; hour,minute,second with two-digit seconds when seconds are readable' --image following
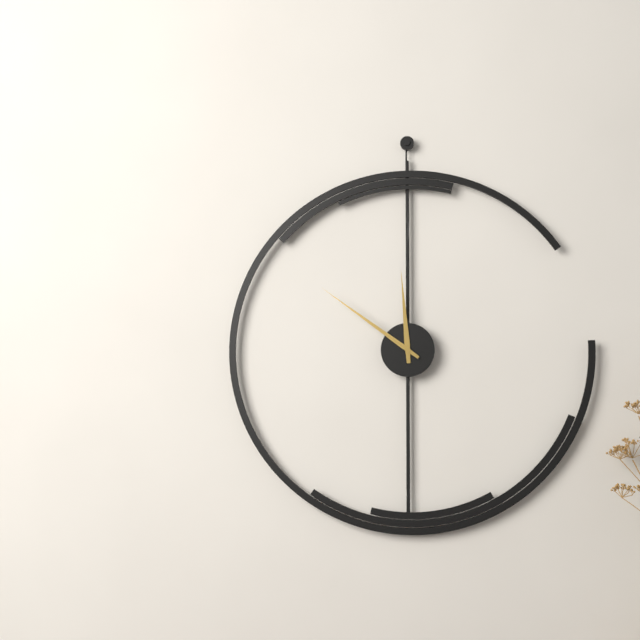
11,51
